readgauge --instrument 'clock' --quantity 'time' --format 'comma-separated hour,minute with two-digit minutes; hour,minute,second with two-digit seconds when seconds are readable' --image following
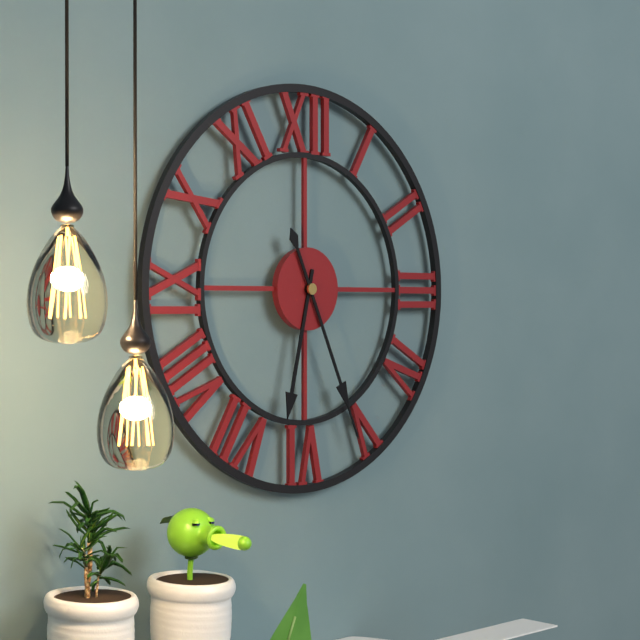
6,26
